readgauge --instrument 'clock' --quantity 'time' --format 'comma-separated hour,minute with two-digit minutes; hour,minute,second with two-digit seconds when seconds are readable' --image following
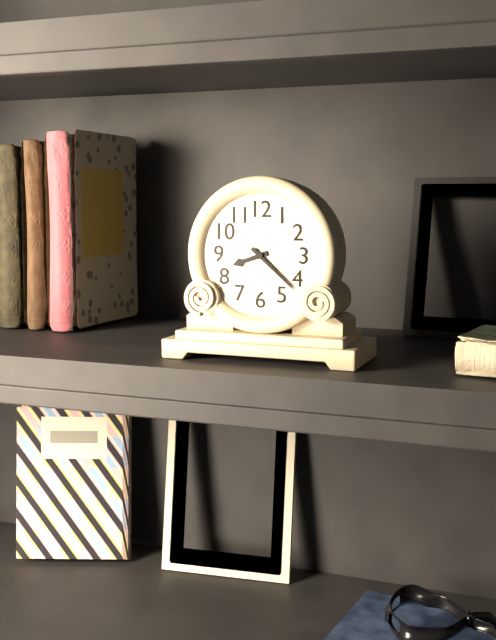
8,22
